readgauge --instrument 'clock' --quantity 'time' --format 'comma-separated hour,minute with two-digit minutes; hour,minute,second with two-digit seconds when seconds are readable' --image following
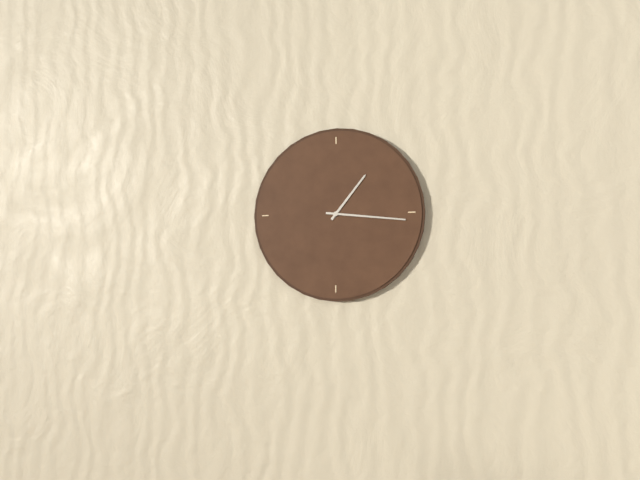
1,16
